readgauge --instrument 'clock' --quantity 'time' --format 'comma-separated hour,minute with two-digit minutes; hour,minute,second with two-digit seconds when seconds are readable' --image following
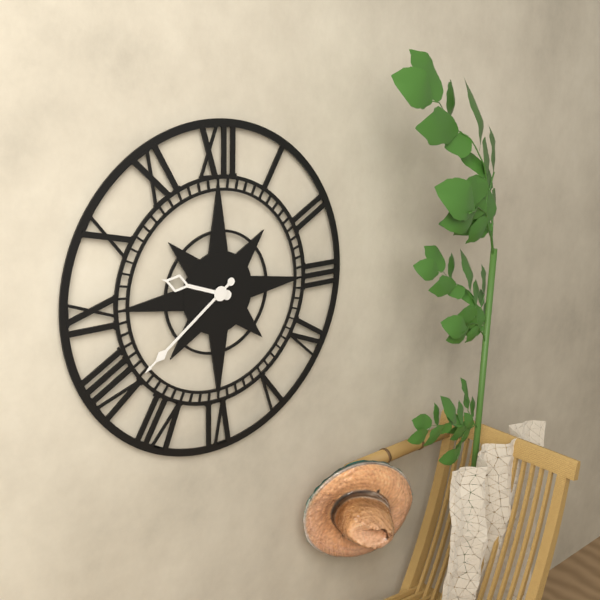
9,39
